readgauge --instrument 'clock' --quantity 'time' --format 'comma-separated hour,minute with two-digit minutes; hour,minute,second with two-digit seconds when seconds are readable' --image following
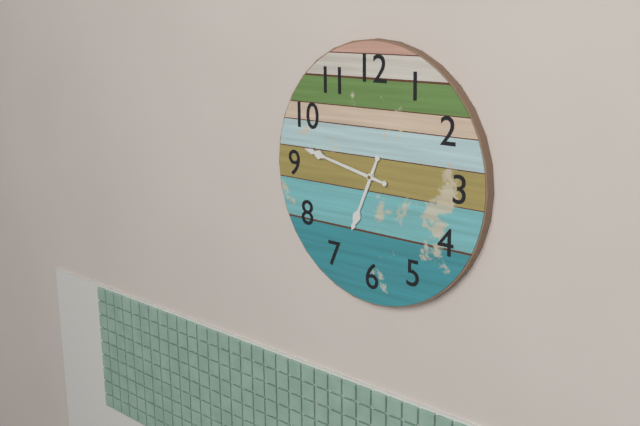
6,47
